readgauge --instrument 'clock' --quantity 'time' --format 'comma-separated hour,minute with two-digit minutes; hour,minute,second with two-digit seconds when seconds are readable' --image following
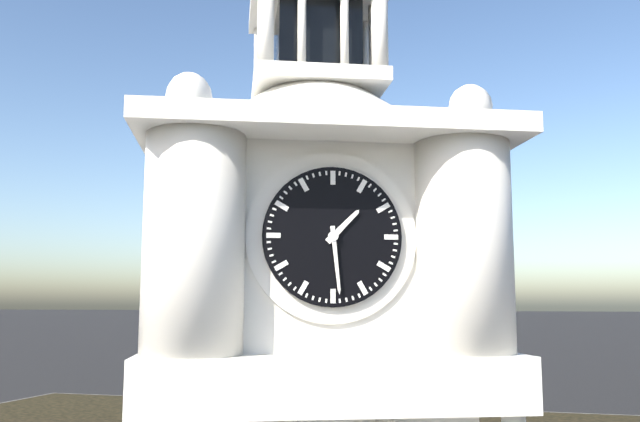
1,29
